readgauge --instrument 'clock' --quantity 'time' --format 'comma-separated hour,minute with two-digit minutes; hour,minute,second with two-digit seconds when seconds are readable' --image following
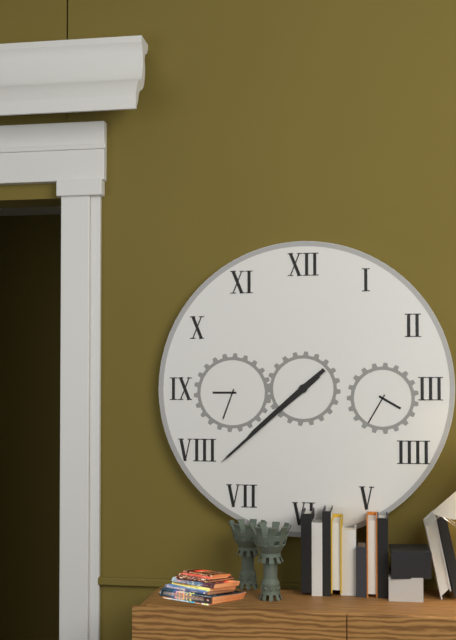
7,38
